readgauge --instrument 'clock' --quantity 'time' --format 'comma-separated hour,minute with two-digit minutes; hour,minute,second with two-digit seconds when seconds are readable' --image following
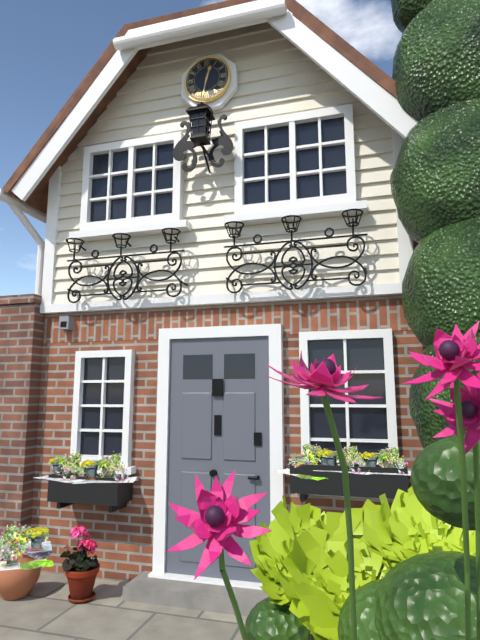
12,32
